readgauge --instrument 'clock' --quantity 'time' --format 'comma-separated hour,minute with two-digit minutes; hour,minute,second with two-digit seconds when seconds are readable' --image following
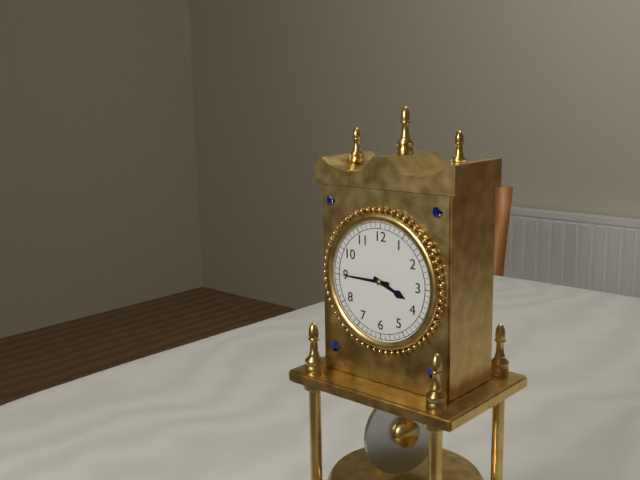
3,45
